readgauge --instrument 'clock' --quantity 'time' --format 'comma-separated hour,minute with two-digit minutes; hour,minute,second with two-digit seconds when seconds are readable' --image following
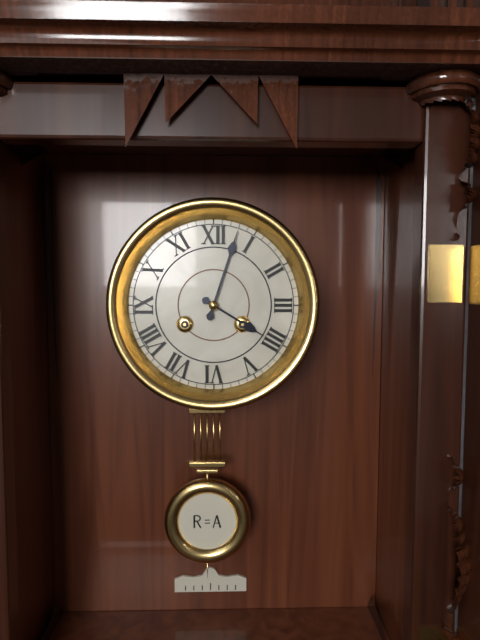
4,03
